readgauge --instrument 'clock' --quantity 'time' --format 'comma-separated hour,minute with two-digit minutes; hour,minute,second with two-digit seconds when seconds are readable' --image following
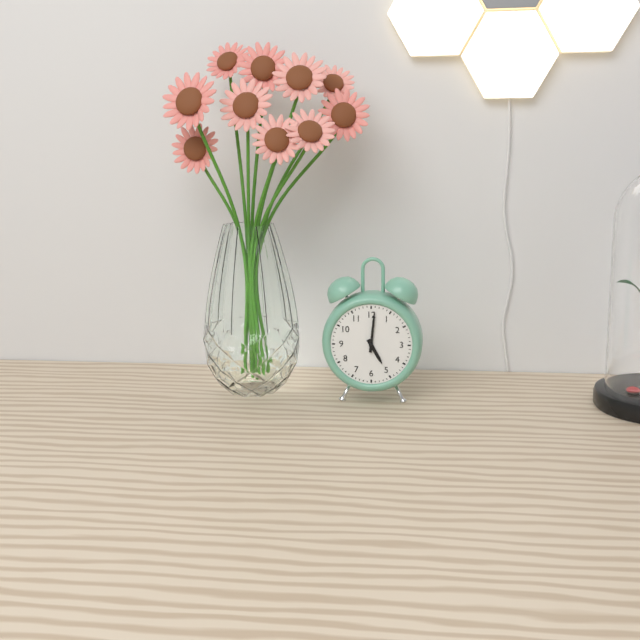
5,01
